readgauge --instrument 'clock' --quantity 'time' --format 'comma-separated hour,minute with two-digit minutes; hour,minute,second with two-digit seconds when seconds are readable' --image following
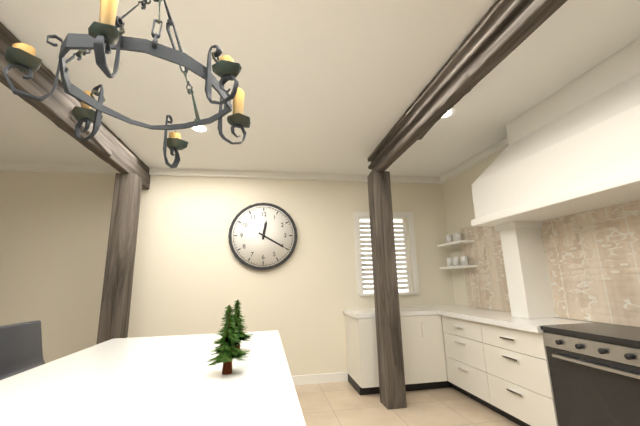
12,20
